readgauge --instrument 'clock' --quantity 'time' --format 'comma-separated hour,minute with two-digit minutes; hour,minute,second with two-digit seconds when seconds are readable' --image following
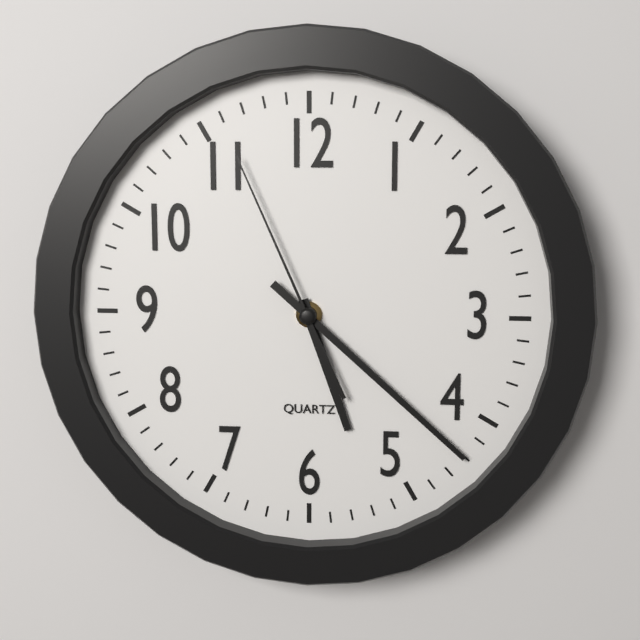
5,22,56
